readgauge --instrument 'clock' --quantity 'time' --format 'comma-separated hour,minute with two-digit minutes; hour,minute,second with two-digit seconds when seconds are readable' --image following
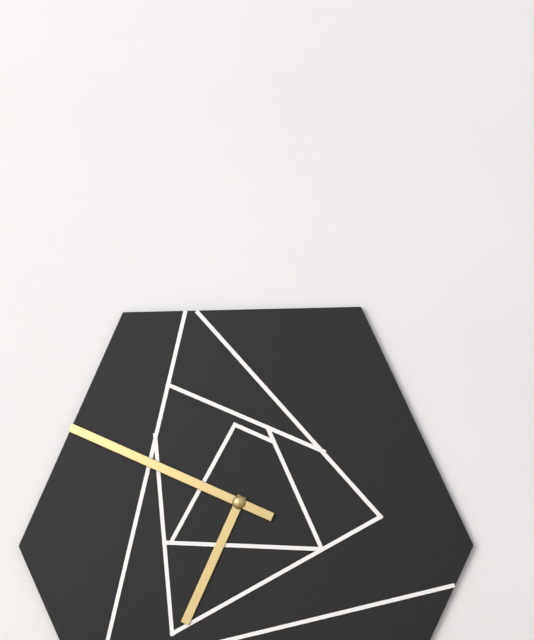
6,49
